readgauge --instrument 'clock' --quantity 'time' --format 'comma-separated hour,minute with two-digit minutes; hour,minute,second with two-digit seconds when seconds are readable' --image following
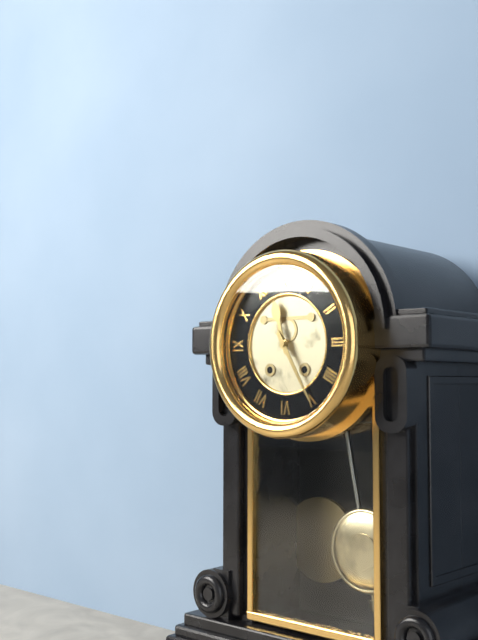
11,25
